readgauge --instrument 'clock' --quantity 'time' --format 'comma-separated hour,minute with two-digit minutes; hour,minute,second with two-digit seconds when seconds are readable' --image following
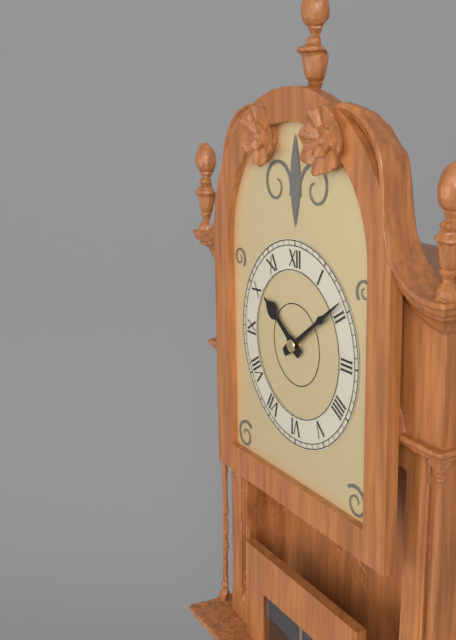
10,09
